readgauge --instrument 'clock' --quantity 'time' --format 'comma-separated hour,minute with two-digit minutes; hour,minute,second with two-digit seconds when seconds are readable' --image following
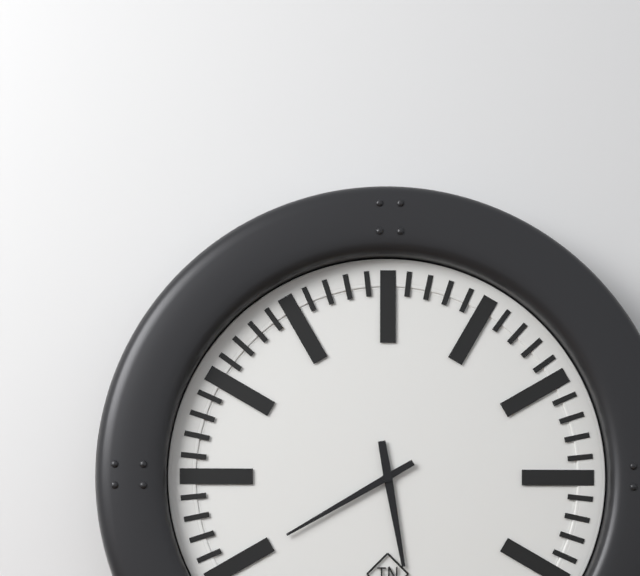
5,40
